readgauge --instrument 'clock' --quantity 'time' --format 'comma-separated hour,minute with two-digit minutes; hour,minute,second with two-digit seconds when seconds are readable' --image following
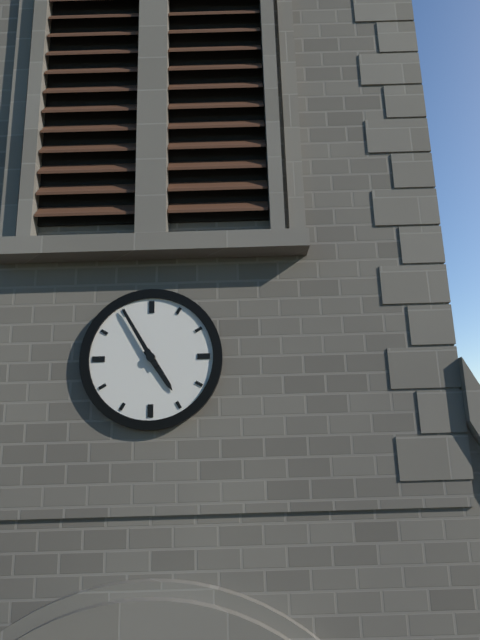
4,55
